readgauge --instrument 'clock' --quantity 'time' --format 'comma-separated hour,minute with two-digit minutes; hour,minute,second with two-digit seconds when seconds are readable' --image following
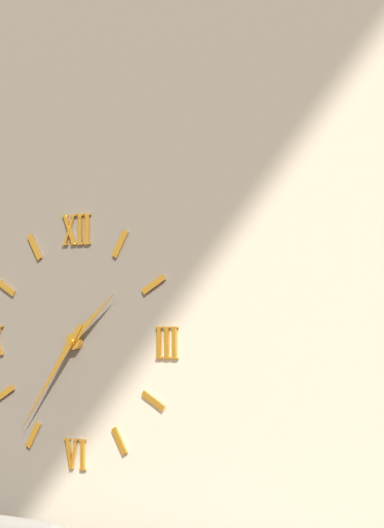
1,36
